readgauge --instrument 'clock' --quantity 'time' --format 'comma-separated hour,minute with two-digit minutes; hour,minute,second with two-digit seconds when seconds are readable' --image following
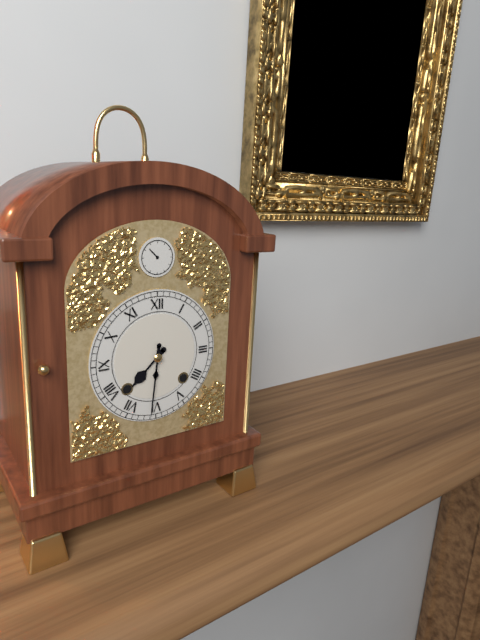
7,31
